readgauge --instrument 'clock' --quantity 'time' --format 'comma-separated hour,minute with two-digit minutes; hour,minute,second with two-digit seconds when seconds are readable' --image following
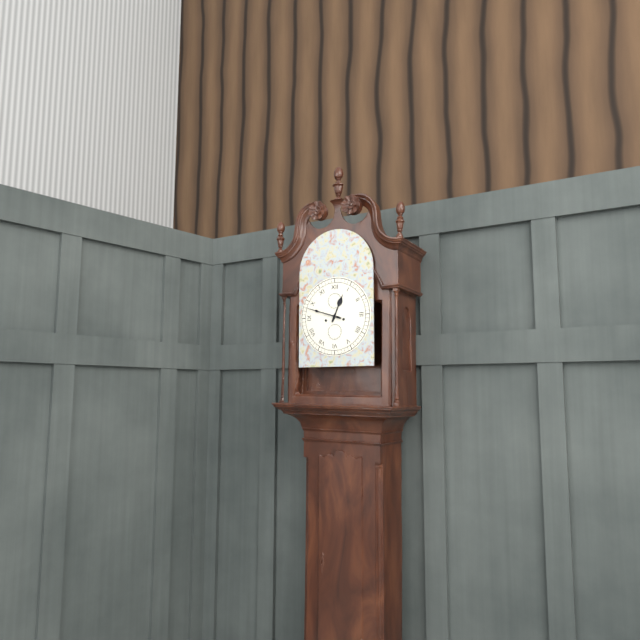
12,48
